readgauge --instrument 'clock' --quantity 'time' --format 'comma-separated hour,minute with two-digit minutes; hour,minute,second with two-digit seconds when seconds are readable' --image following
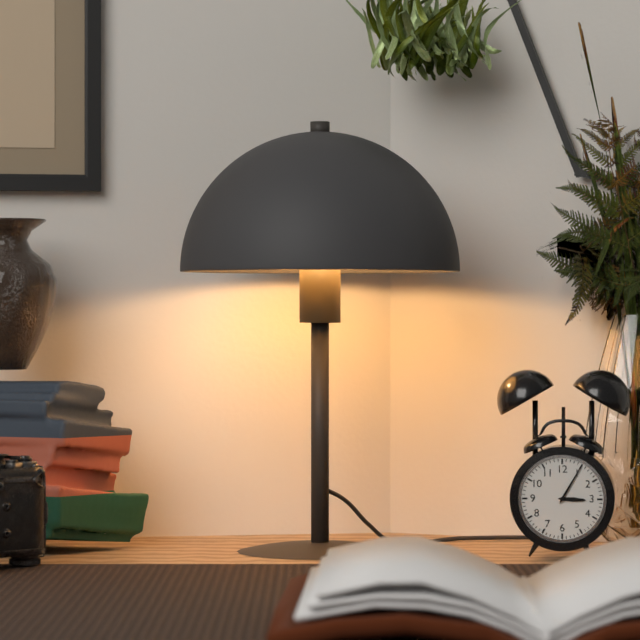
3,05
